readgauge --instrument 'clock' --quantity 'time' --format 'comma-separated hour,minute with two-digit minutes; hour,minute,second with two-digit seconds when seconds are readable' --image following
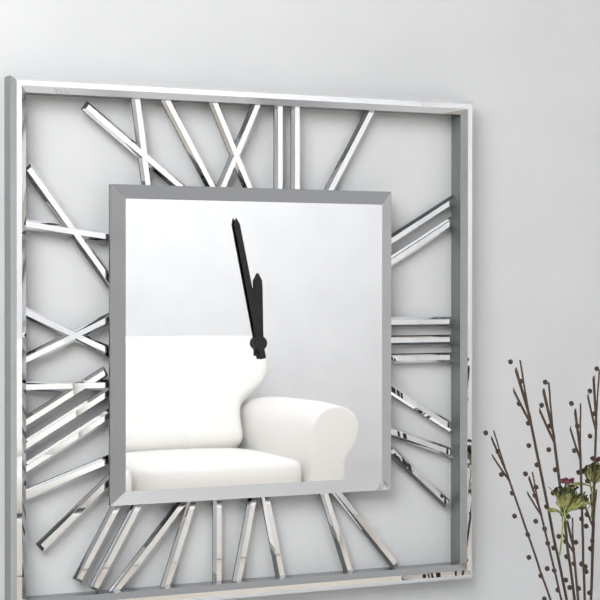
11,58
